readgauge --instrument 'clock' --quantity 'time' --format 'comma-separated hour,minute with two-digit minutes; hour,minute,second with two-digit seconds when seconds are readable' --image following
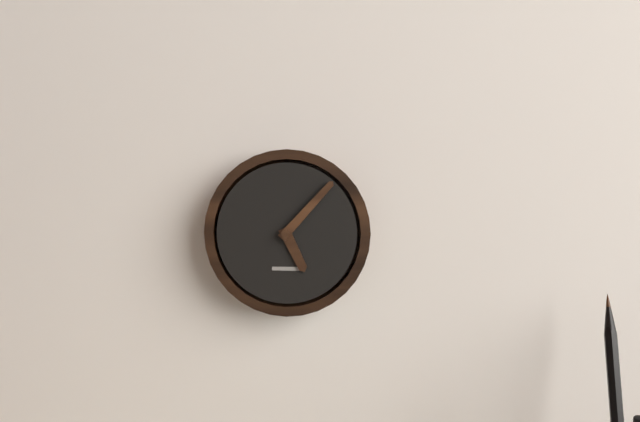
5,07
